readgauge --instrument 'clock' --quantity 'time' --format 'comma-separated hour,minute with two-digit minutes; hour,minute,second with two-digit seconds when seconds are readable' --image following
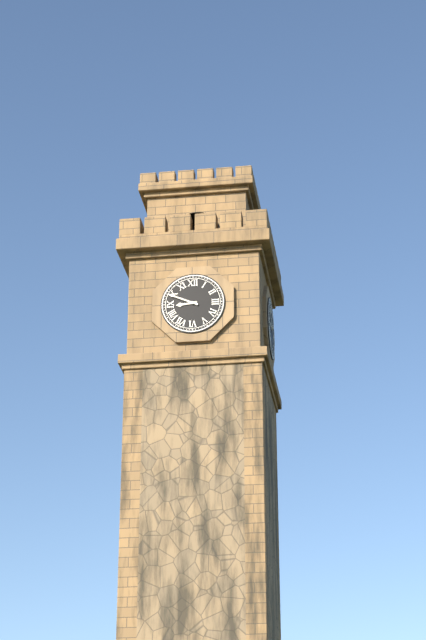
8,49
